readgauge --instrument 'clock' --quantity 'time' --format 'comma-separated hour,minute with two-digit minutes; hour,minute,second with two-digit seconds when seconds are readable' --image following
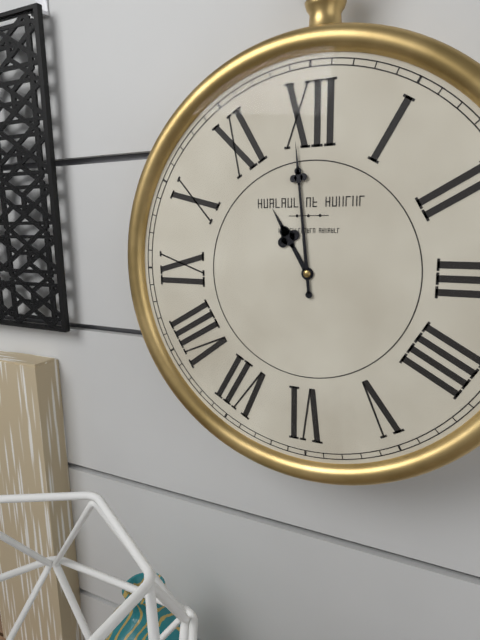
10,59
